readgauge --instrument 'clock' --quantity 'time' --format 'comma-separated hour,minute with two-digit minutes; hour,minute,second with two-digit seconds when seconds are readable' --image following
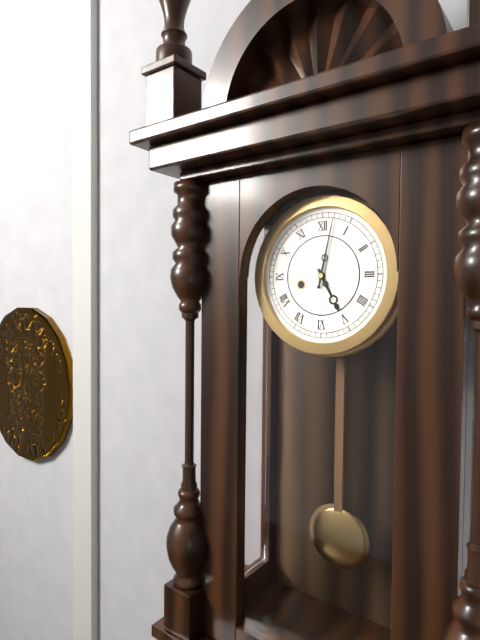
5,02
